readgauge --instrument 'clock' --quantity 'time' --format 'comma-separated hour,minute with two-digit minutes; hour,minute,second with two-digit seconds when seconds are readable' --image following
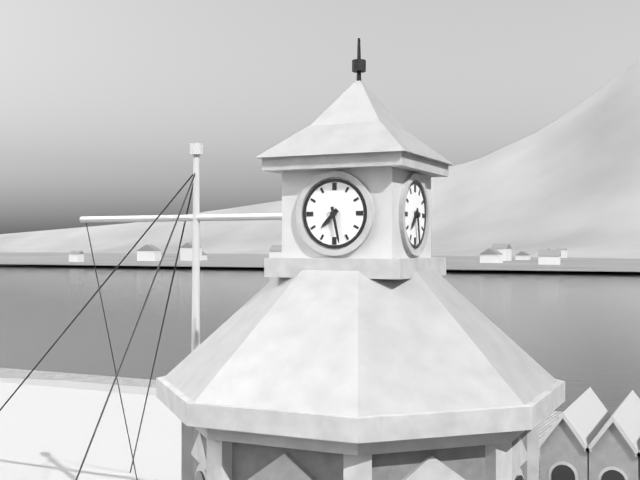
7,28
